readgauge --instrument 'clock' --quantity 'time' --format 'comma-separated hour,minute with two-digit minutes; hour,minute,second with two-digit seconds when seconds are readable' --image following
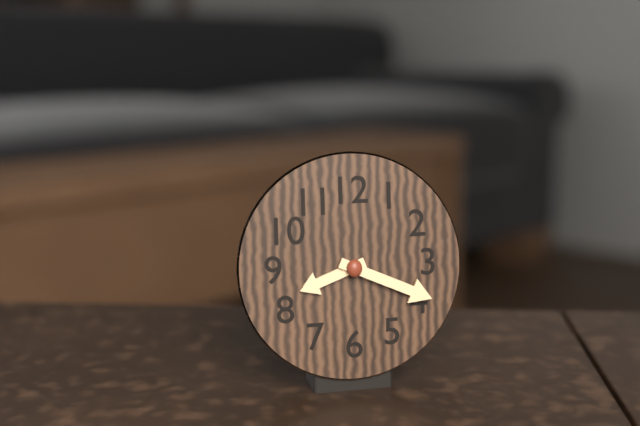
8,19
